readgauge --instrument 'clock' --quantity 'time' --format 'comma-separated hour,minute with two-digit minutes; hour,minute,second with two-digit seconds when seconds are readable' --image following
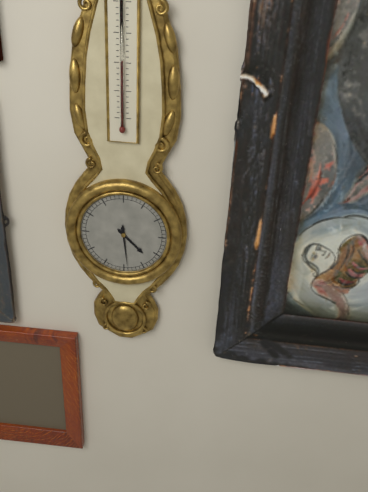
4,29
